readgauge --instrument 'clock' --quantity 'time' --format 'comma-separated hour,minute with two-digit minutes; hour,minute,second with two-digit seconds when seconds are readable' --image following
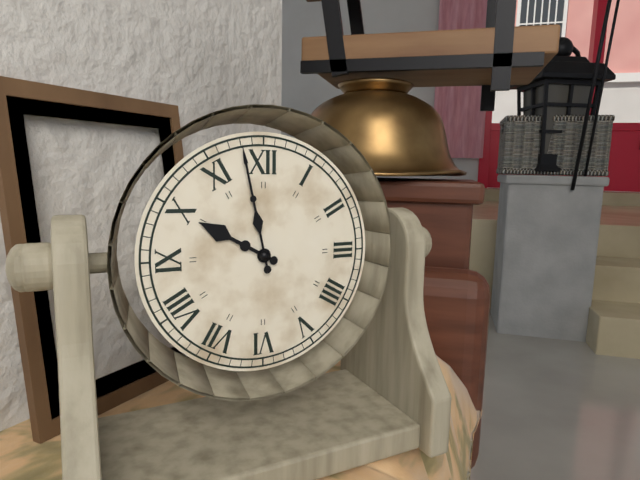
9,58
